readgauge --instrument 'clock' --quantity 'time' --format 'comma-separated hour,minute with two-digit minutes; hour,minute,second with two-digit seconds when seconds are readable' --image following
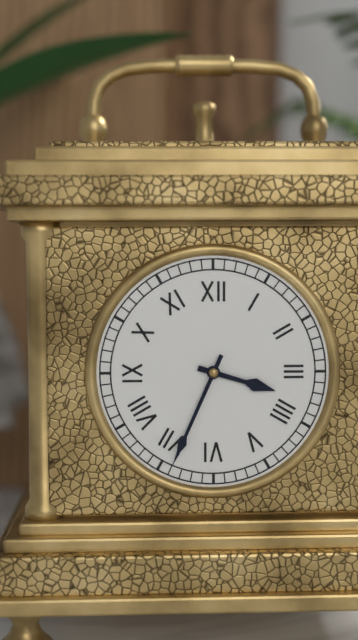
3,34
